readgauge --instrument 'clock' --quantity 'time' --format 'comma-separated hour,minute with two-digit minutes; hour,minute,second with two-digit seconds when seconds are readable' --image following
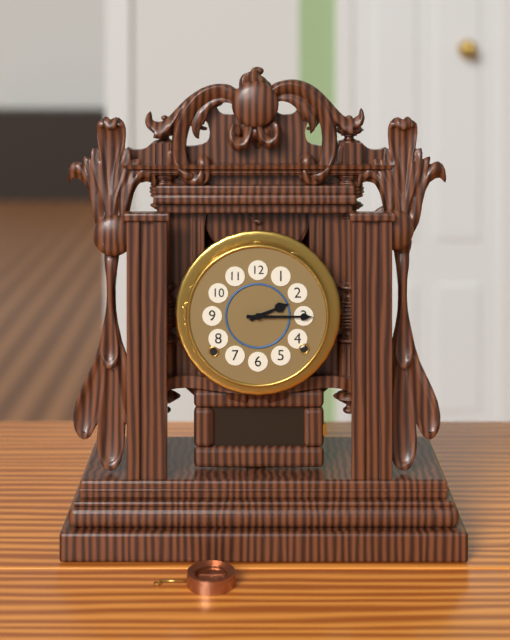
2,15
